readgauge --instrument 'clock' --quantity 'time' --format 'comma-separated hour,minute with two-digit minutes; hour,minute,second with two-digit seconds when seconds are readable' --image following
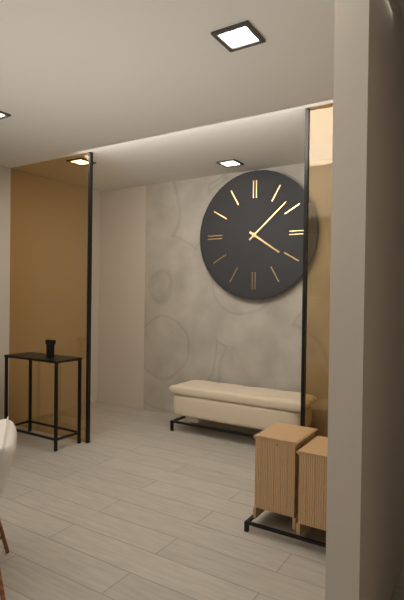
4,08
